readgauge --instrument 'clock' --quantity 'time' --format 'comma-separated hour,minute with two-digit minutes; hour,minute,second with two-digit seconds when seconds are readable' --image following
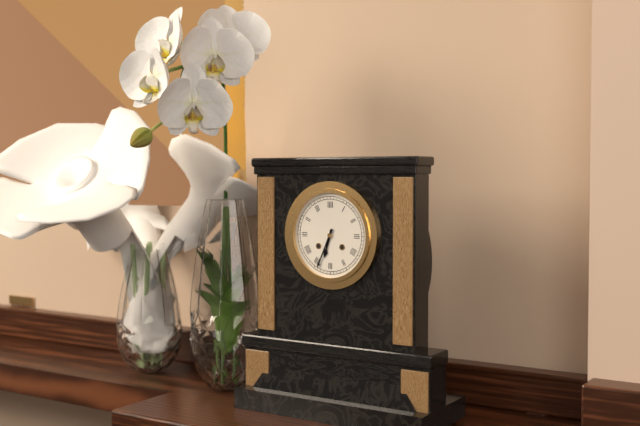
6,34
